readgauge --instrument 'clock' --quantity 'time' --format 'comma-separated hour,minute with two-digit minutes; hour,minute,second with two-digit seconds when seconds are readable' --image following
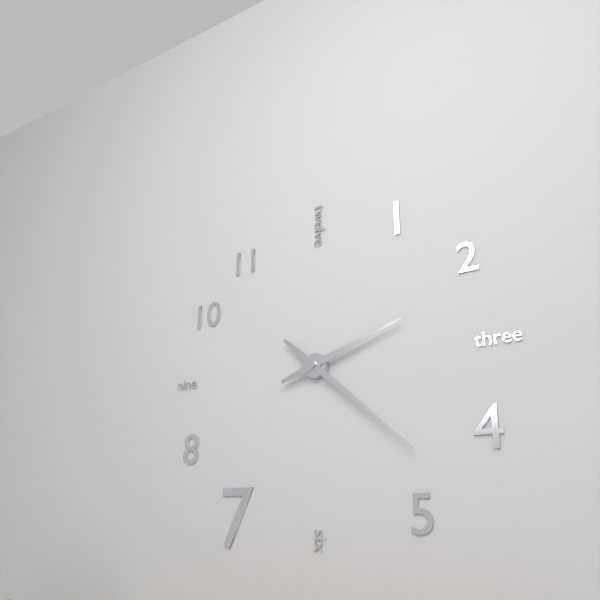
2,22
